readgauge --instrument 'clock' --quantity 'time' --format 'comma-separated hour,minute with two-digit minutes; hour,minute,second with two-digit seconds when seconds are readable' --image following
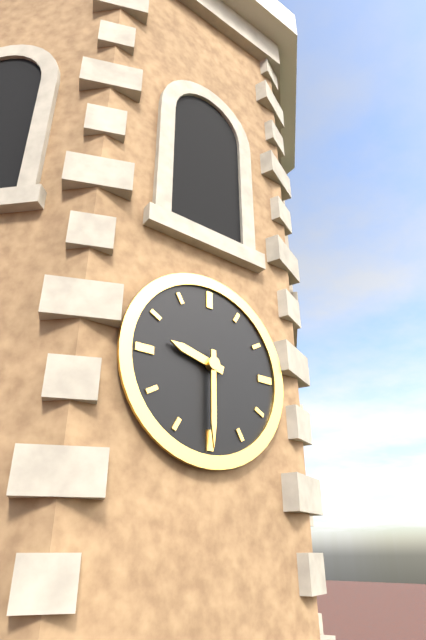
9,30
